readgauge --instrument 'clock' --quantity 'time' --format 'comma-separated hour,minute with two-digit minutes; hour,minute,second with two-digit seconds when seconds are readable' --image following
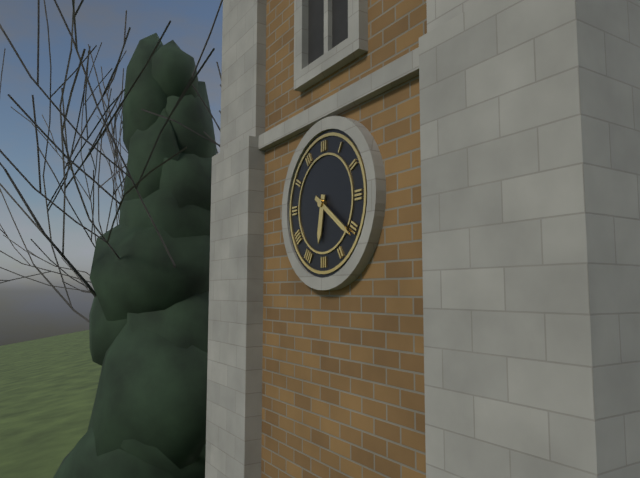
6,21
